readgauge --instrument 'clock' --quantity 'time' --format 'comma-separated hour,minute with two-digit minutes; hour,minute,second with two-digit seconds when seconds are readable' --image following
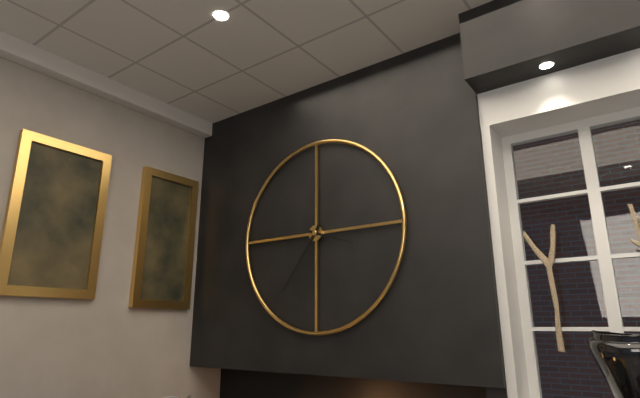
3,36
